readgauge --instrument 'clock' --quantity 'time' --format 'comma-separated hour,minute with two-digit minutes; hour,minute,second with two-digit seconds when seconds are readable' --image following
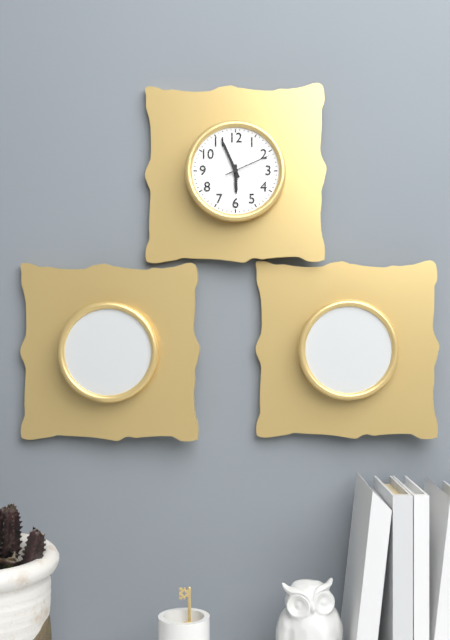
5,56
